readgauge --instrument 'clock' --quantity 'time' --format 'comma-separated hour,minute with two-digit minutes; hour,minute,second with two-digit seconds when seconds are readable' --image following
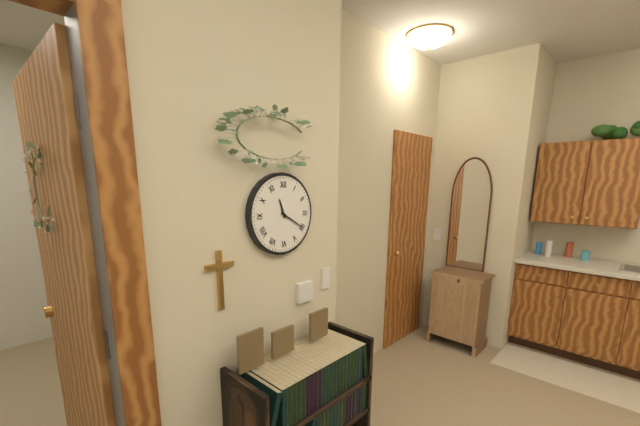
11,20
